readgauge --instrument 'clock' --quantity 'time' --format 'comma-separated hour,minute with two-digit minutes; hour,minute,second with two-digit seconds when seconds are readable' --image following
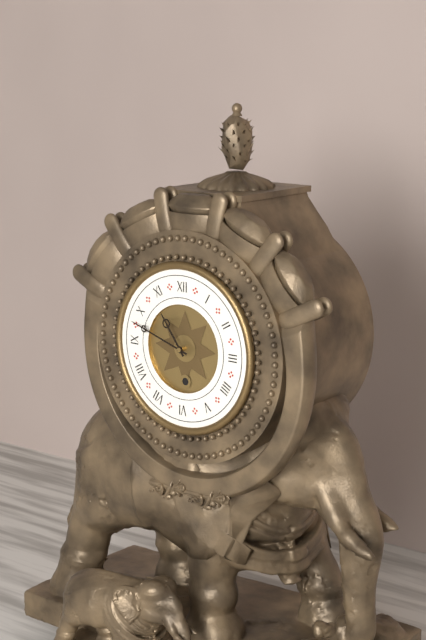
10,48
